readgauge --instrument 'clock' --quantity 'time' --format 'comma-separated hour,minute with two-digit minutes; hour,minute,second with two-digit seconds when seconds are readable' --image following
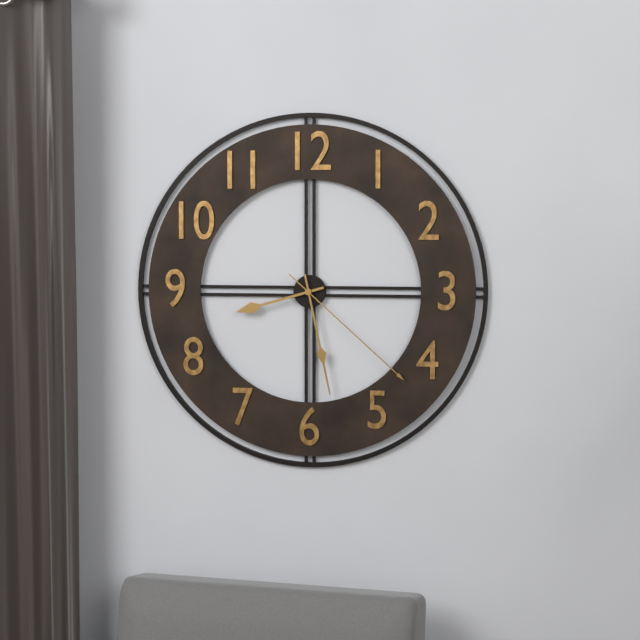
8,28,22
